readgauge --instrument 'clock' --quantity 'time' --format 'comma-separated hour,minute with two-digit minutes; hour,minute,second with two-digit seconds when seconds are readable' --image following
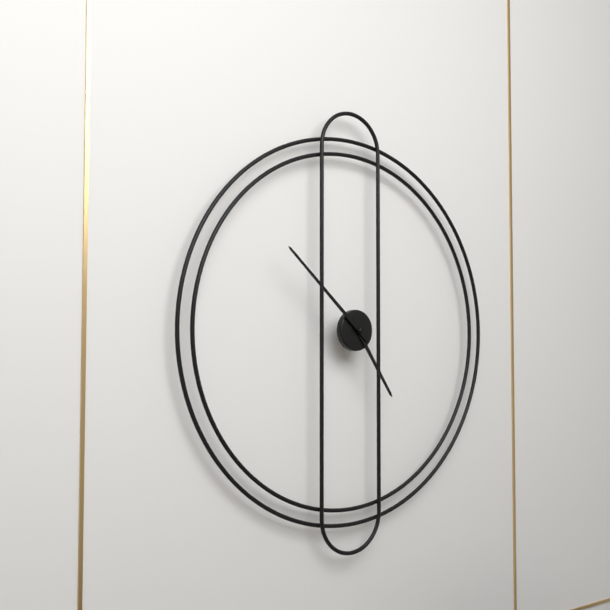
4,52
